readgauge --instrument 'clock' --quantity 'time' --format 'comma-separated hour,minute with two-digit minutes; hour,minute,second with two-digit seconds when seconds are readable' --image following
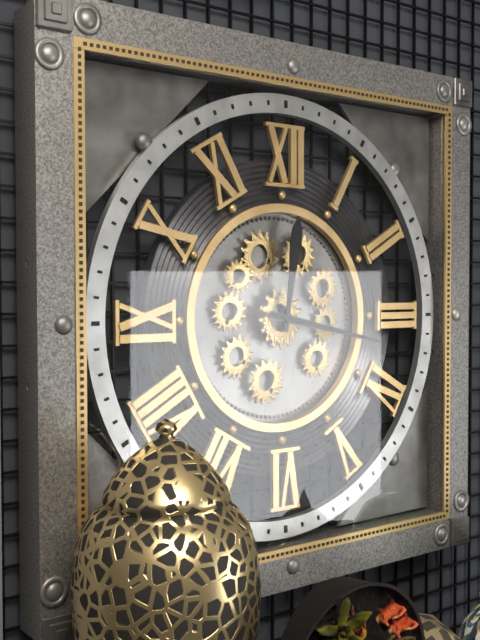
12,17
